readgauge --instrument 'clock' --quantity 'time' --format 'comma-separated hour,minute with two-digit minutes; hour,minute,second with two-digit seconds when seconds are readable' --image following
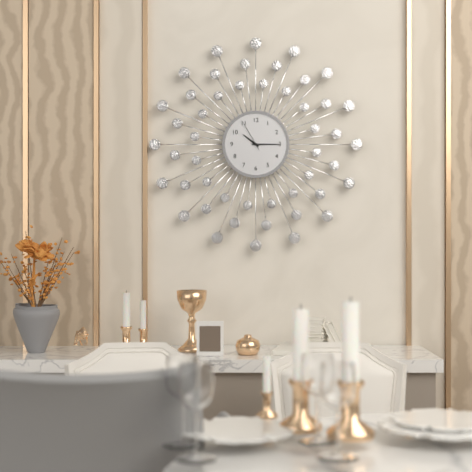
10,15
